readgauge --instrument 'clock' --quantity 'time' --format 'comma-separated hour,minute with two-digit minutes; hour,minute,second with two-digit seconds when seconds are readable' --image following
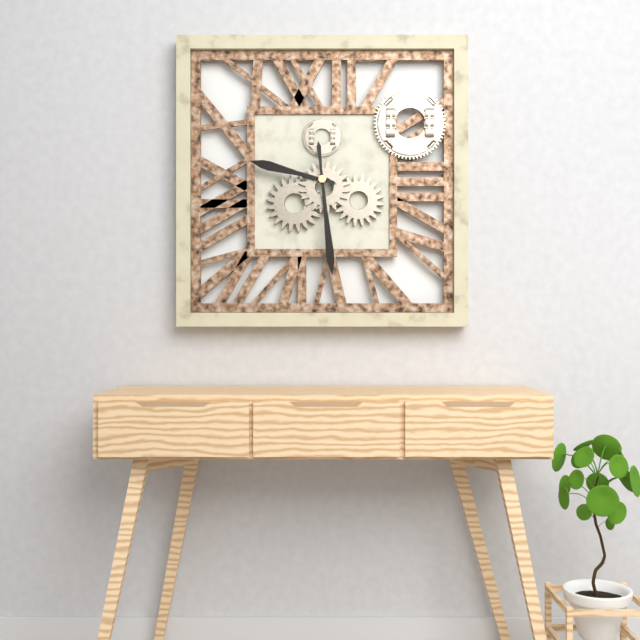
9,29
